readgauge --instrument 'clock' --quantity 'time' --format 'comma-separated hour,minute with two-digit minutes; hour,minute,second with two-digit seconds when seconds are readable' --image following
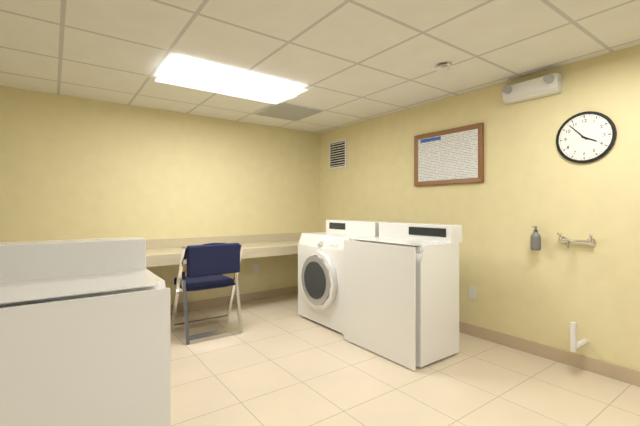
3,53
